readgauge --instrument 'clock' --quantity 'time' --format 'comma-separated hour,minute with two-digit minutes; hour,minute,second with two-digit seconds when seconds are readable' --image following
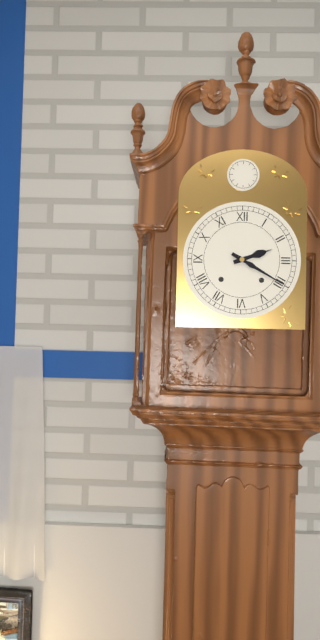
2,20
